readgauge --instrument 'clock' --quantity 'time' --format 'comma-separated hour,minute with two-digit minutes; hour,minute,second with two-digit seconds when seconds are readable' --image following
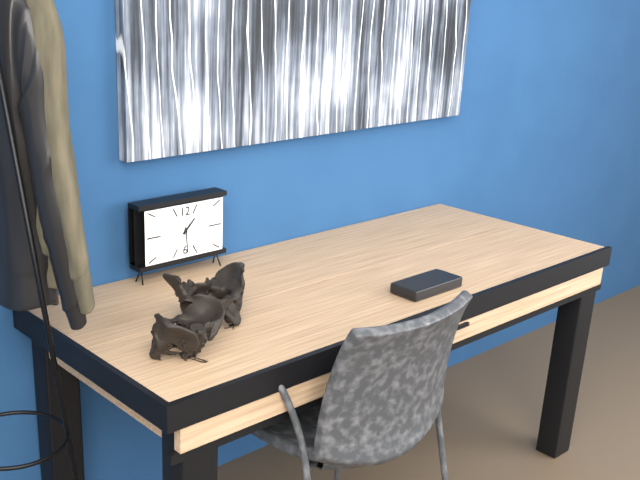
1,29
